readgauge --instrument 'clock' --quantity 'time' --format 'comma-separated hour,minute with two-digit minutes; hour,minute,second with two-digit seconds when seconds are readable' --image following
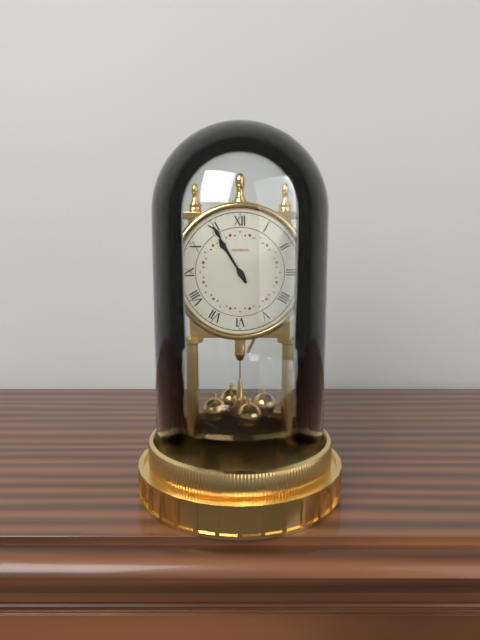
10,55
